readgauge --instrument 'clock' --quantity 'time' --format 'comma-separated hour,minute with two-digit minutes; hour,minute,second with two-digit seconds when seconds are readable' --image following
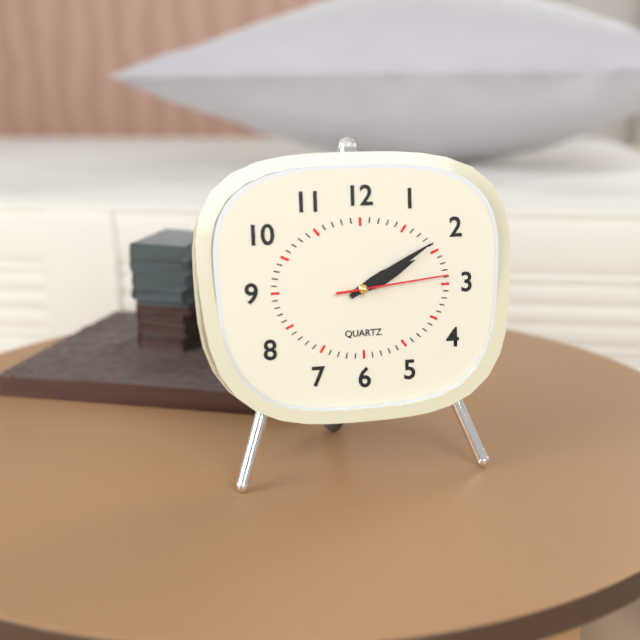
2,10,14
